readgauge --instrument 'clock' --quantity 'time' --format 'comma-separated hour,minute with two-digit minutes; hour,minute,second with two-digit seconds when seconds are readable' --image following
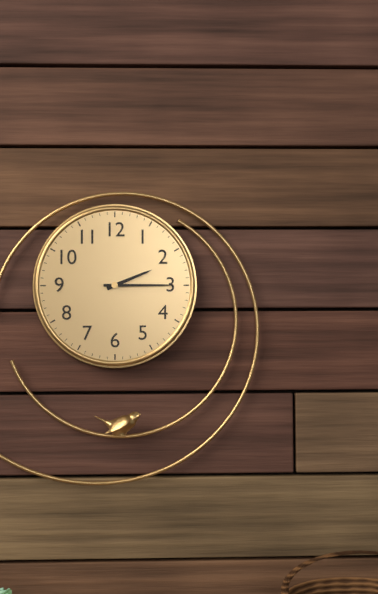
2,15
